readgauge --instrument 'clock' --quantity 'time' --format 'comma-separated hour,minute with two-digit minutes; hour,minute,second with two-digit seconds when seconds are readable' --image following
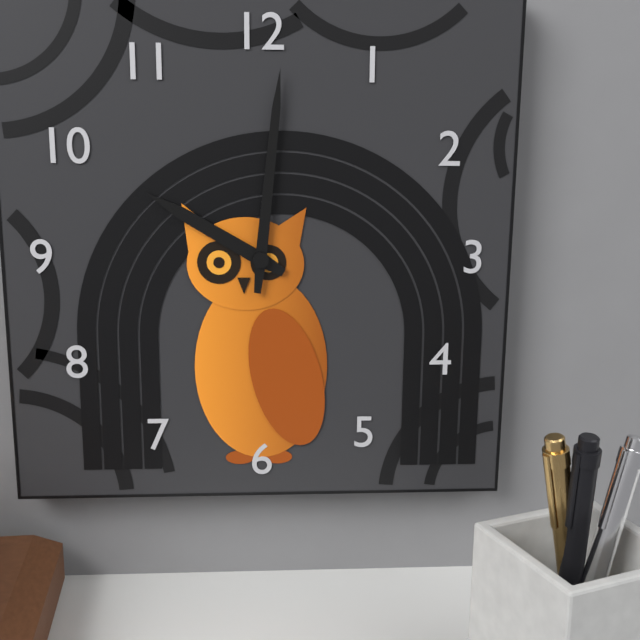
10,01
